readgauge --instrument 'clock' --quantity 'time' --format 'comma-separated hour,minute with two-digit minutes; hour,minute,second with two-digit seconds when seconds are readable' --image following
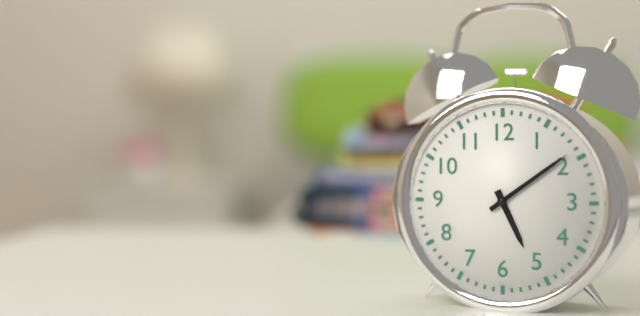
5,09
